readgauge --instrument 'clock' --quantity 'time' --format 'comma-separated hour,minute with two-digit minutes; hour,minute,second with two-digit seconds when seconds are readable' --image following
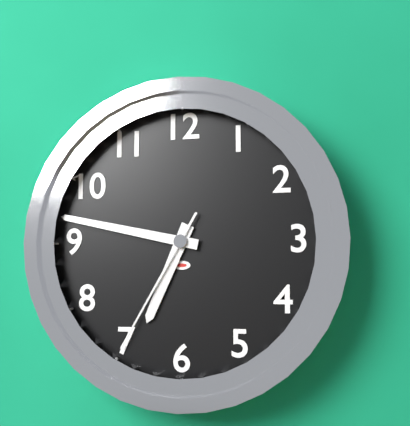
6,47,35
